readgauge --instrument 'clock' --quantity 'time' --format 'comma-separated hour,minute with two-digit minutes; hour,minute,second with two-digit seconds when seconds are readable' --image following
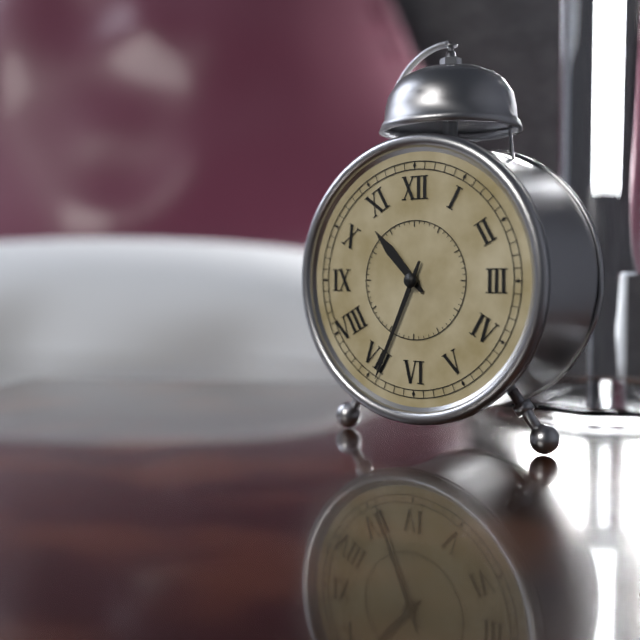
10,34
